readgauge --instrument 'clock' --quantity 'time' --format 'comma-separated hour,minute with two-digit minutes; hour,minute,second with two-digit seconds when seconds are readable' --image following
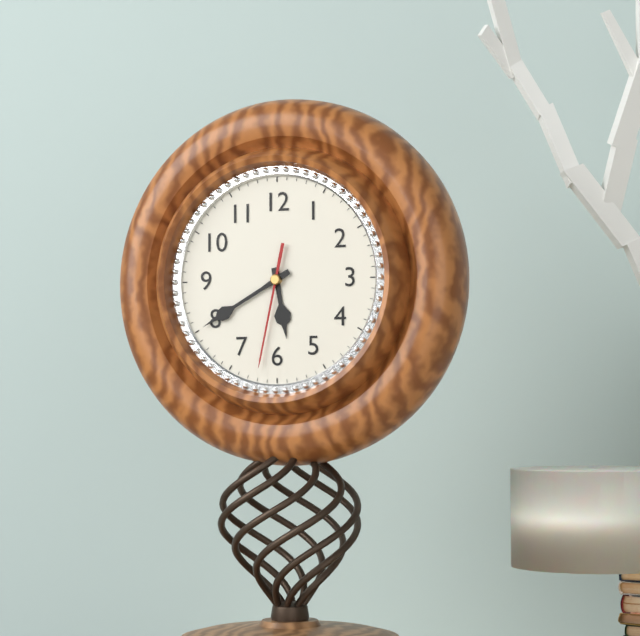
5,40,32
